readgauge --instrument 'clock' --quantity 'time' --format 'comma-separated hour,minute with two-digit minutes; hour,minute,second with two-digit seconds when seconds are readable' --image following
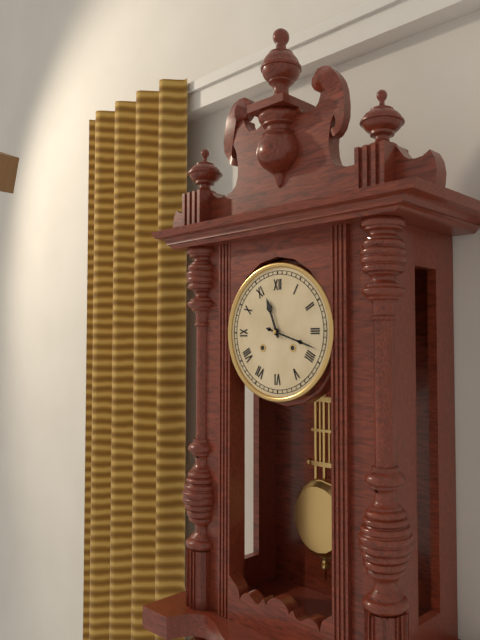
11,18
